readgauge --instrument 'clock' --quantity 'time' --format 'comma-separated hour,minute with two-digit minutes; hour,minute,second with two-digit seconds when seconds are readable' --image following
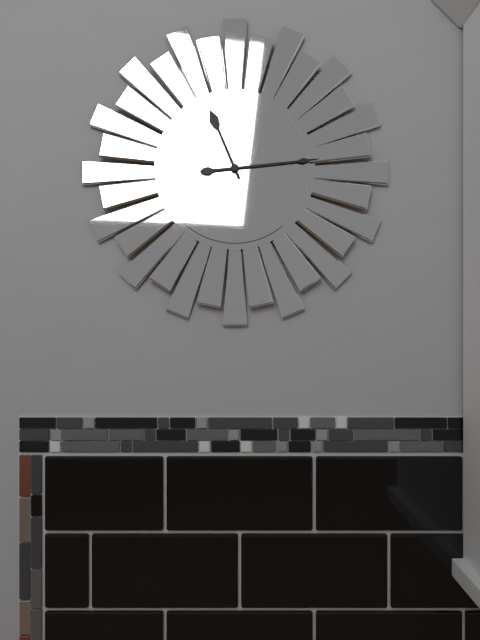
11,14
